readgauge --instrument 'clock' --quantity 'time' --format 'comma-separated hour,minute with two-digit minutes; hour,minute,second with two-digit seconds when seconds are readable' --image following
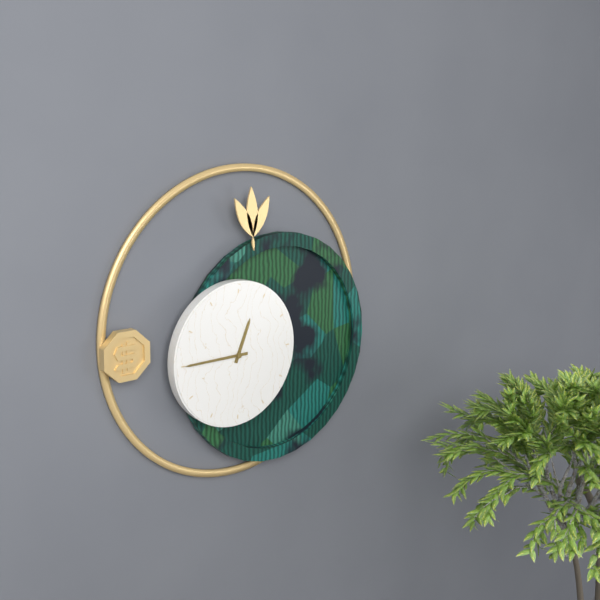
12,45
